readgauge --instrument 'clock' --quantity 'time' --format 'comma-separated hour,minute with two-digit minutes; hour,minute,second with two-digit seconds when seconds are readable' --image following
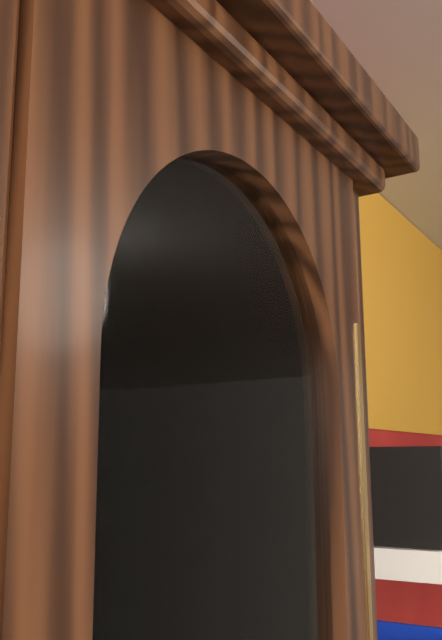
12,25
